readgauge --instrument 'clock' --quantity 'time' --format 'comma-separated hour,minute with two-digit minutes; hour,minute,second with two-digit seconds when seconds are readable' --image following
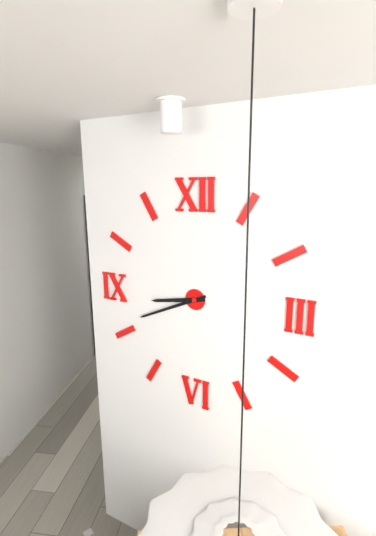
8,41
